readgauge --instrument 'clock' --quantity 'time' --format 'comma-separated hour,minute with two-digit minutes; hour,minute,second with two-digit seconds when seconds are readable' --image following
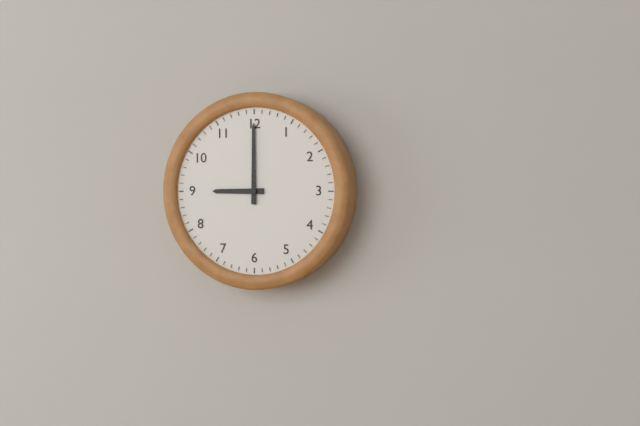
9,00
